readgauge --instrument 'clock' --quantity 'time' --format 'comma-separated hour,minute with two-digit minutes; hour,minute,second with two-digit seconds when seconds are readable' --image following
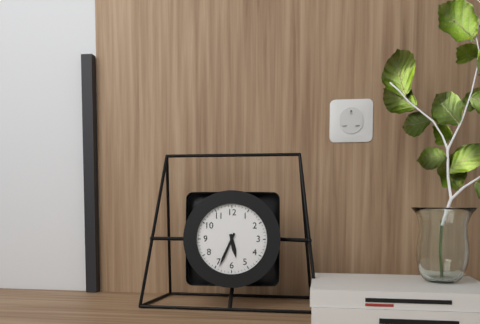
5,34
